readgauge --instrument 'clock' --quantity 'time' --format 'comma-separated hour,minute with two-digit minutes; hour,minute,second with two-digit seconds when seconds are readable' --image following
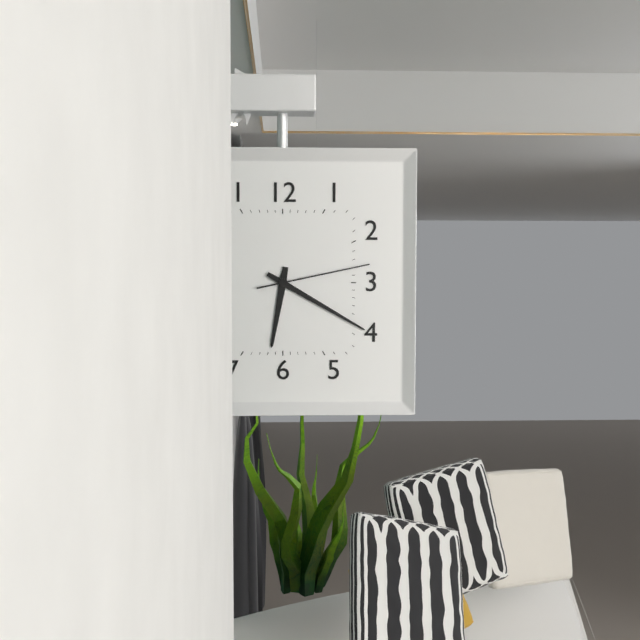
6,20,13
